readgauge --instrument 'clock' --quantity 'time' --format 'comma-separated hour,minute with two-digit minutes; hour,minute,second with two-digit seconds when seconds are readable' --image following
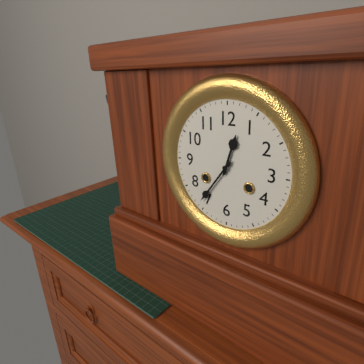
12,36
